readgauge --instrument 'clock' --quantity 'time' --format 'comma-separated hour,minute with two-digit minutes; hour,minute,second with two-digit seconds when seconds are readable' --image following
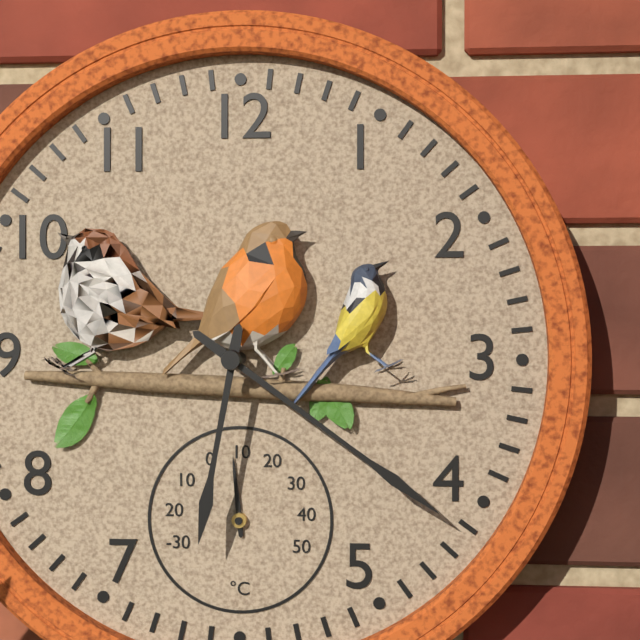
6,21
